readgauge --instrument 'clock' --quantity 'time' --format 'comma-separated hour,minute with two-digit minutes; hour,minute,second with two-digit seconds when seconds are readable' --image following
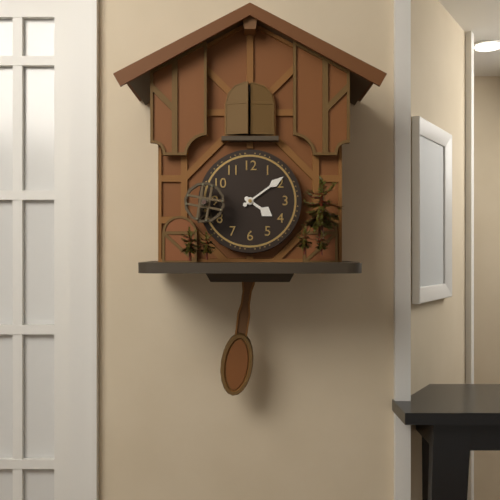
4,09
